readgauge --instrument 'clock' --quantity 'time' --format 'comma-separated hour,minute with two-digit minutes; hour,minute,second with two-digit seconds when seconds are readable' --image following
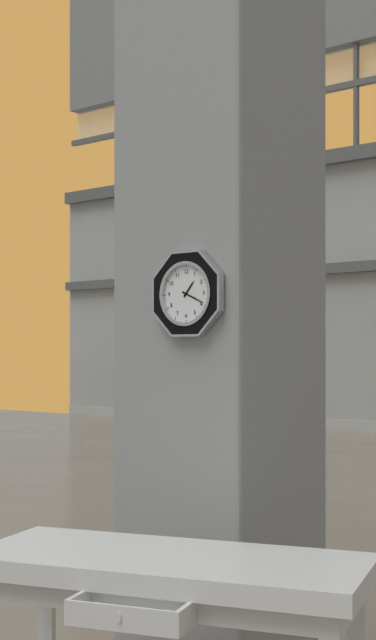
1,19
